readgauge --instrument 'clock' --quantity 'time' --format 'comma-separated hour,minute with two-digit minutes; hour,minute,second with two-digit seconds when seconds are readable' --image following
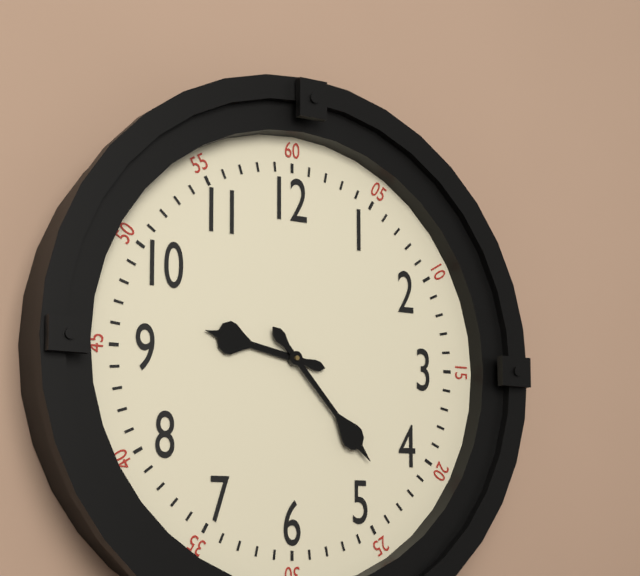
9,23
